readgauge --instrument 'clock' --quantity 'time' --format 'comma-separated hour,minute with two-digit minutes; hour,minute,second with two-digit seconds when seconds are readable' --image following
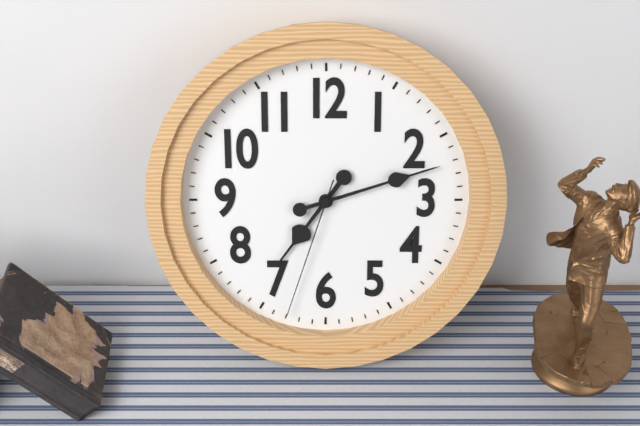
7,12,33
